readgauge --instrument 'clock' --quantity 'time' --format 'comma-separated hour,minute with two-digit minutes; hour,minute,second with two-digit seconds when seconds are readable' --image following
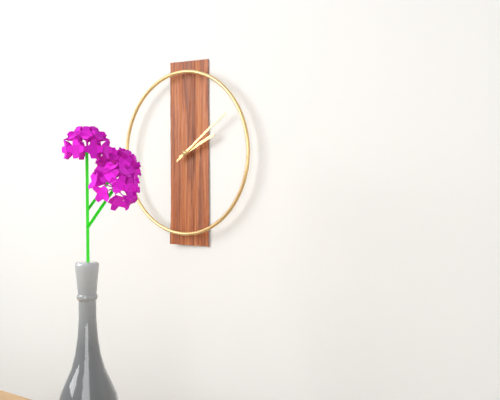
2,09
